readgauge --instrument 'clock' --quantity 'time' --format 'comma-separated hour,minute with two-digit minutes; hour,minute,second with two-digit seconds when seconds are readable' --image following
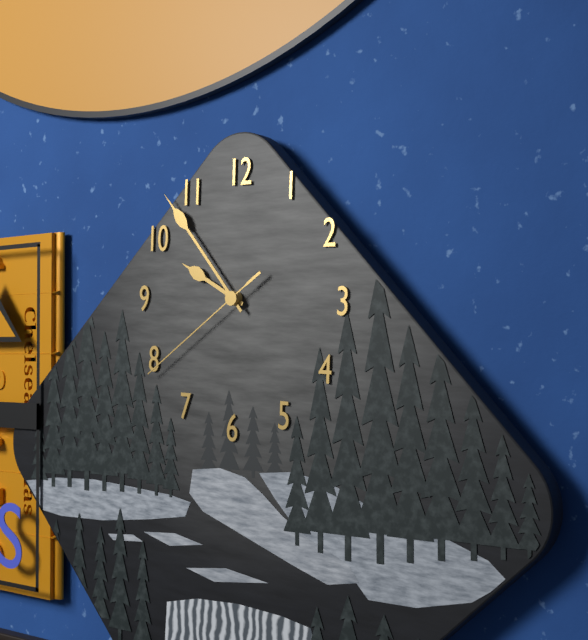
9,53,39
